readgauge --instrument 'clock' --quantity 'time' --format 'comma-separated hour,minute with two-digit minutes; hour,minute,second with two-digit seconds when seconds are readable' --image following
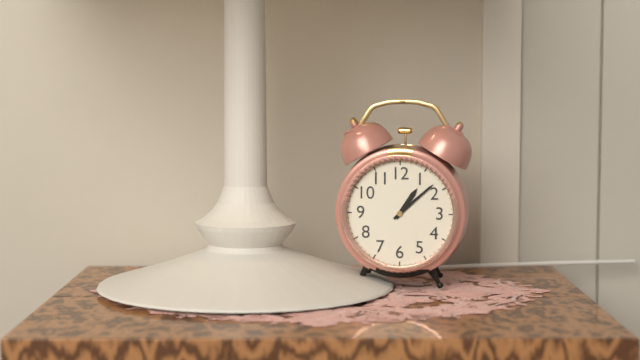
1,08
